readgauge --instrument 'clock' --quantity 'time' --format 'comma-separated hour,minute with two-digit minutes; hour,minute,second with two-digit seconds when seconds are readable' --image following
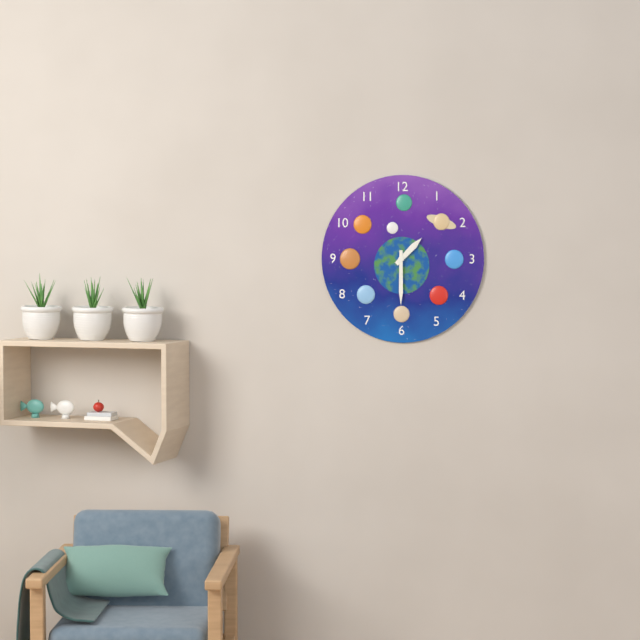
1,30
